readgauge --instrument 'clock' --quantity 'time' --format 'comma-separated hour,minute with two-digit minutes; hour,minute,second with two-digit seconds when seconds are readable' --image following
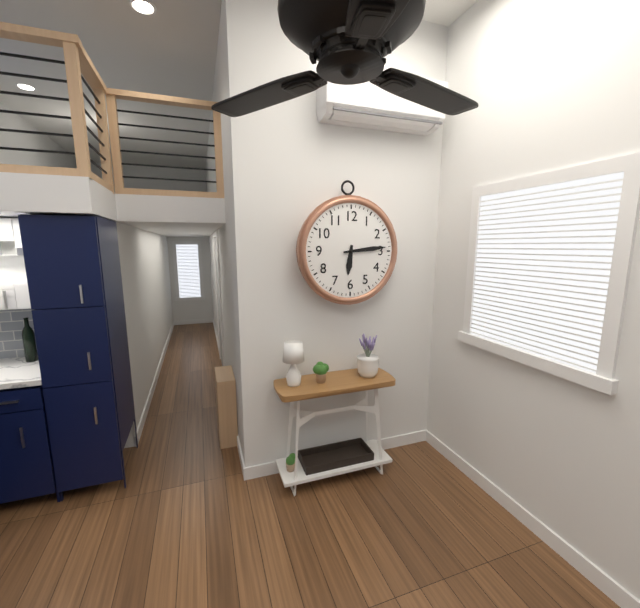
6,14
